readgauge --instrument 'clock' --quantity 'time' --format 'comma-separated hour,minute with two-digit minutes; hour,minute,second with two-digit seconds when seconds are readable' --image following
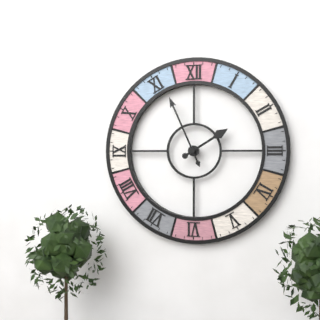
1,56
